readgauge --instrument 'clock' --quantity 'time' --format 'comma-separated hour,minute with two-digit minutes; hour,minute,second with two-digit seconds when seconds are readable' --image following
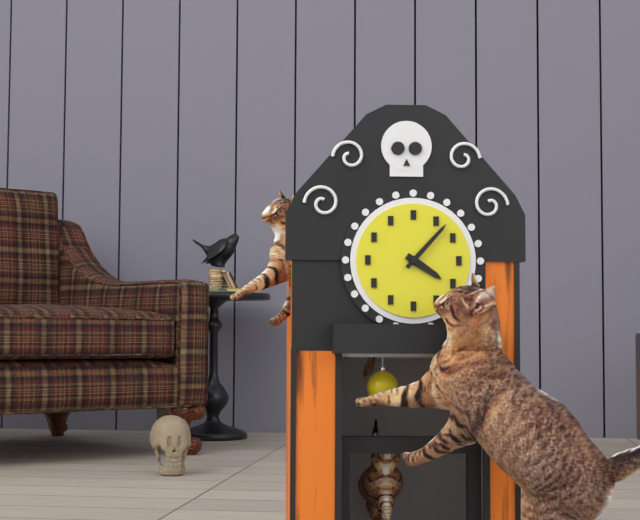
4,07
